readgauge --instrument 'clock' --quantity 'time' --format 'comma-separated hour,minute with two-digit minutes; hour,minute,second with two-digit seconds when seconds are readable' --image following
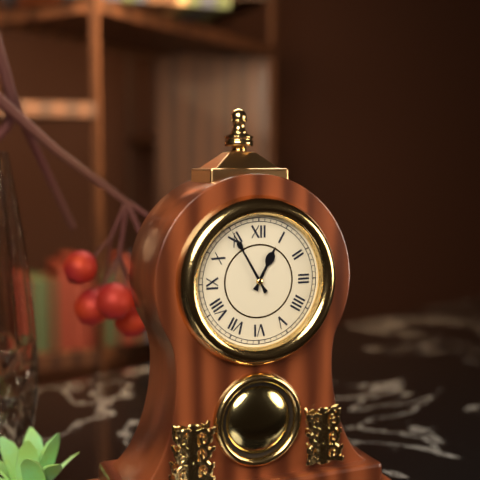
12,55
